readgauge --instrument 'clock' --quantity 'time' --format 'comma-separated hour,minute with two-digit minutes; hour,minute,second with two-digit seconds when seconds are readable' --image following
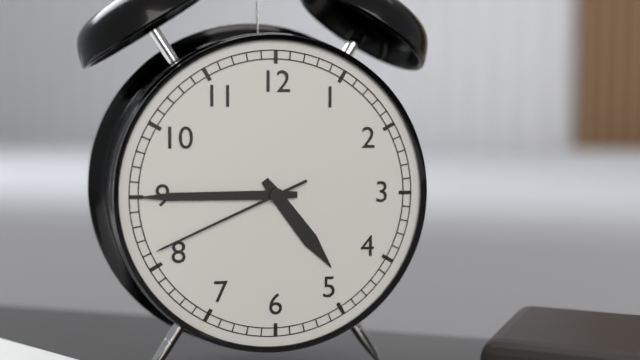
4,45,41
